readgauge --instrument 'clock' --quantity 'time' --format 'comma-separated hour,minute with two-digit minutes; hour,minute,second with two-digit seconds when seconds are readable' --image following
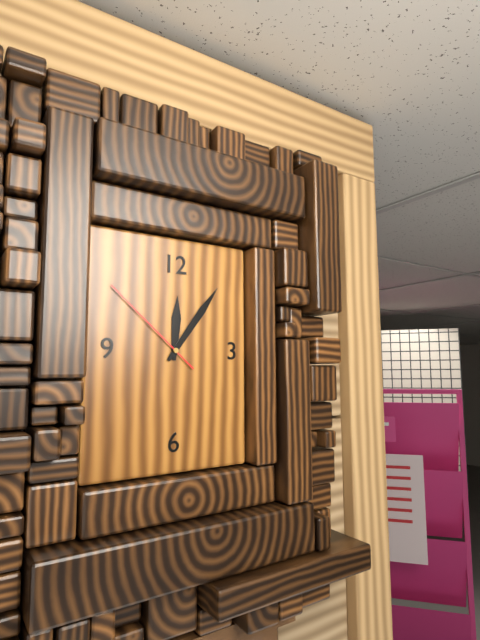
12,06,52
